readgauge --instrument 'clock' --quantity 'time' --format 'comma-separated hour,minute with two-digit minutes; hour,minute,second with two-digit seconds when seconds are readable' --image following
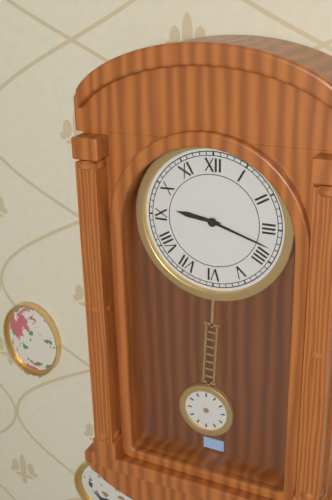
9,18
